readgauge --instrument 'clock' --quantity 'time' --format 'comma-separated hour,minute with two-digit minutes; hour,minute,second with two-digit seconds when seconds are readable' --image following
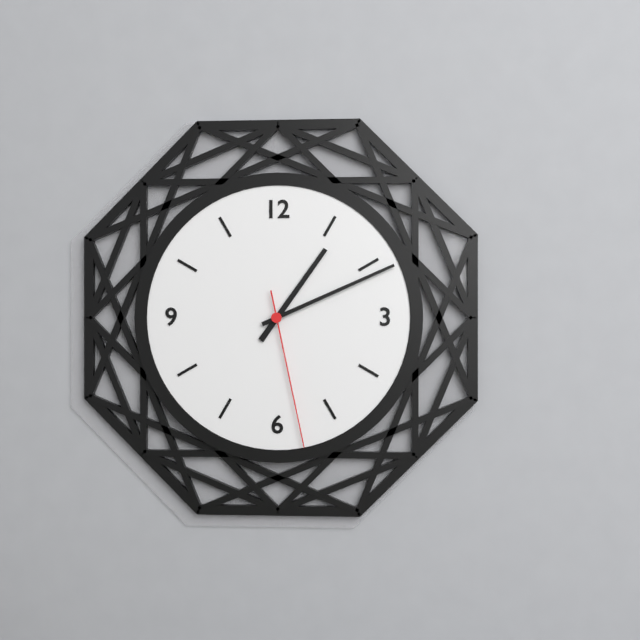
1,11,28
